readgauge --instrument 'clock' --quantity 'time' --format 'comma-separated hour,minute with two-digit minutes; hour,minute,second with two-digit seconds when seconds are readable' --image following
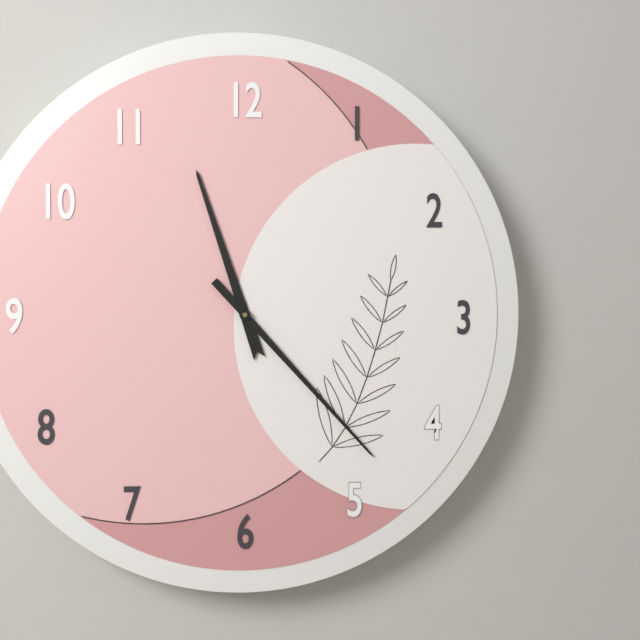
11,23
